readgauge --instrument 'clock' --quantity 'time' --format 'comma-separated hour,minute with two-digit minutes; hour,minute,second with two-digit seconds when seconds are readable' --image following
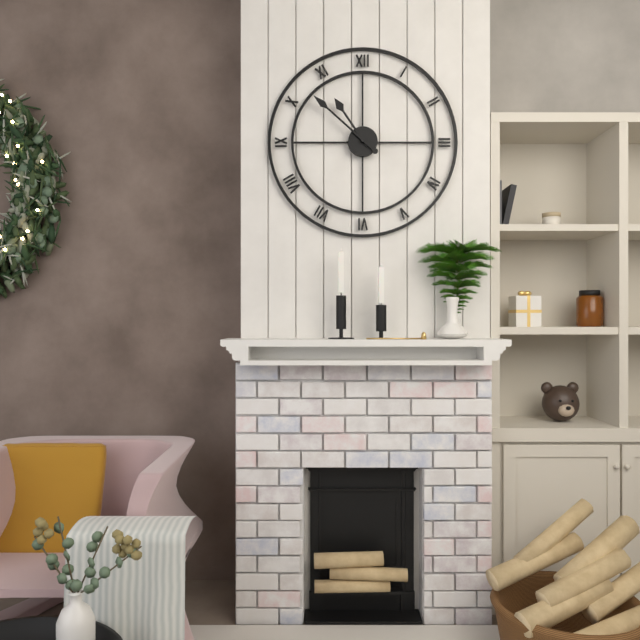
10,52
